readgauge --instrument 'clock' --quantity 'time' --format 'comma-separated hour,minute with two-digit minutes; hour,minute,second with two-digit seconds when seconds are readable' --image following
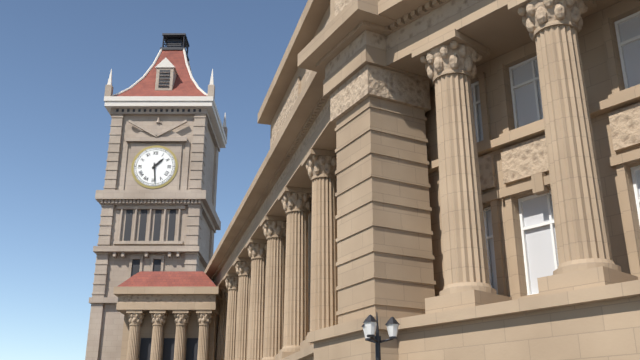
1,29
